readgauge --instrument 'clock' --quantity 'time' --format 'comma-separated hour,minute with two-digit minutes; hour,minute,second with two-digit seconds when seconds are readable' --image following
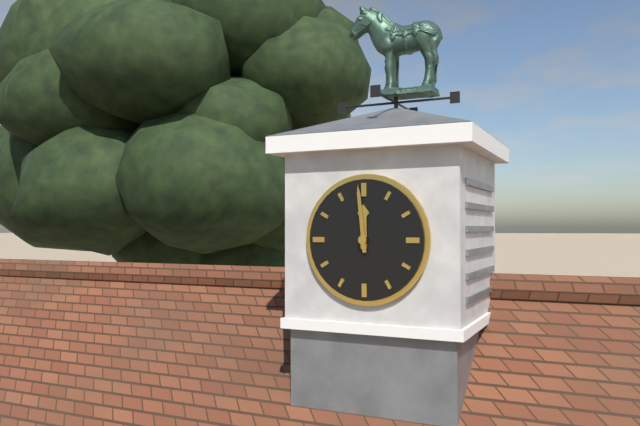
11,59
